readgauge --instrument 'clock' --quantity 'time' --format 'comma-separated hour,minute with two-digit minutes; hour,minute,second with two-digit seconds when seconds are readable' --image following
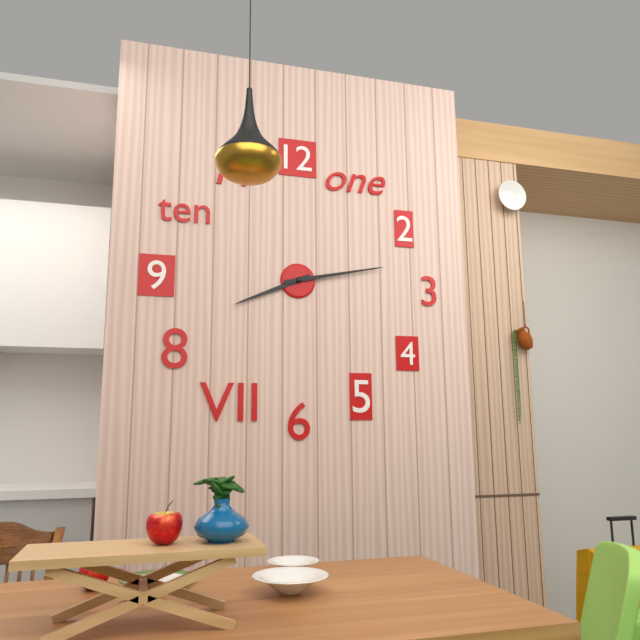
8,13
